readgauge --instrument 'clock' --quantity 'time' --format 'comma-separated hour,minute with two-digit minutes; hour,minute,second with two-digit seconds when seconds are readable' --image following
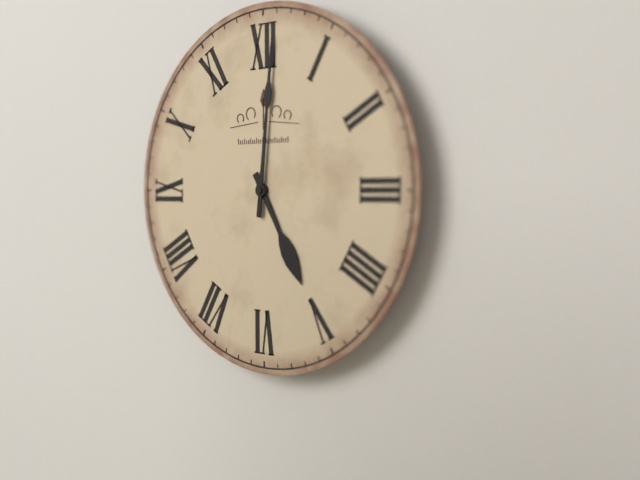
5,01
